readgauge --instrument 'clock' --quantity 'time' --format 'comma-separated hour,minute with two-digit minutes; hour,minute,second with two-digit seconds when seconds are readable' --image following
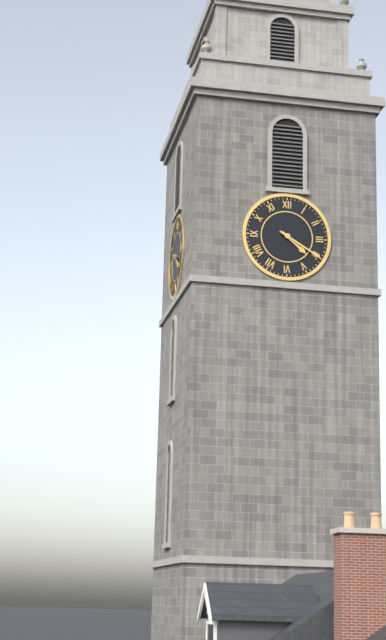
4,20
